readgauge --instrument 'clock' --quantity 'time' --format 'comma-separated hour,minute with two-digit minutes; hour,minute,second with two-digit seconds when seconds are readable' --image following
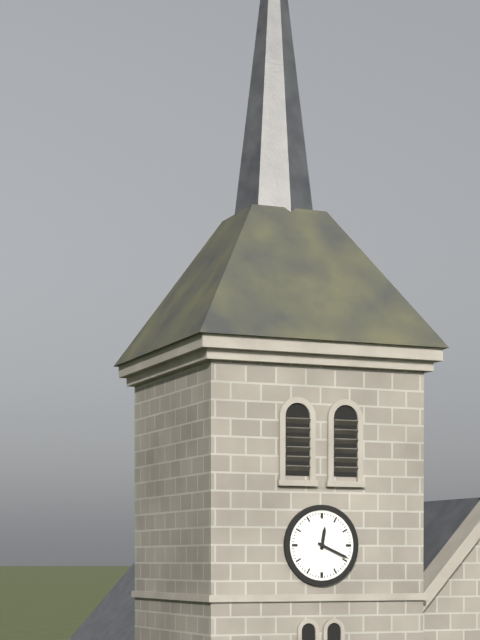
12,19
